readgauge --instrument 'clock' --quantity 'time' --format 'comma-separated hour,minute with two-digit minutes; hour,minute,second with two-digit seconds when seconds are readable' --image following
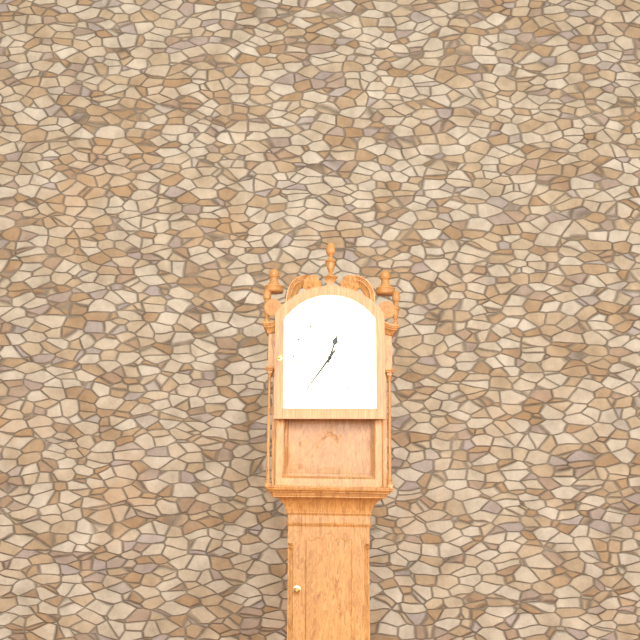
12,36
